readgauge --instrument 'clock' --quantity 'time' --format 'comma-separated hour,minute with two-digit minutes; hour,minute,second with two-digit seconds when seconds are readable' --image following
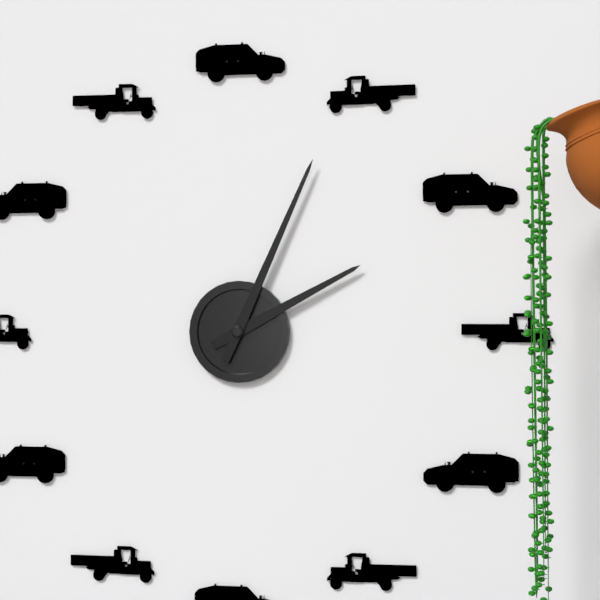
2,04
